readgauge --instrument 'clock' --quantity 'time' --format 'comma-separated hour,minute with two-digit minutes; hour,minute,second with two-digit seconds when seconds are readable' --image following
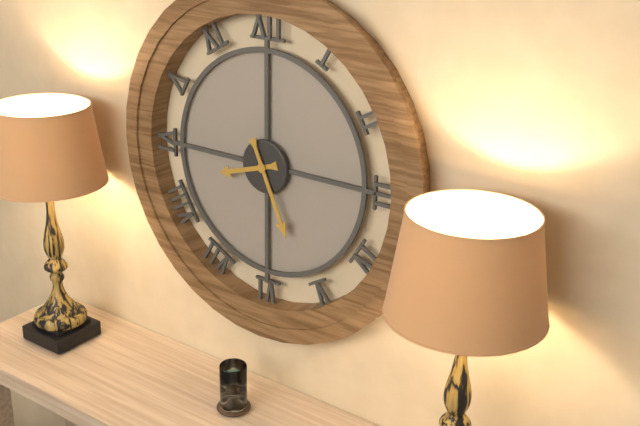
8,26
